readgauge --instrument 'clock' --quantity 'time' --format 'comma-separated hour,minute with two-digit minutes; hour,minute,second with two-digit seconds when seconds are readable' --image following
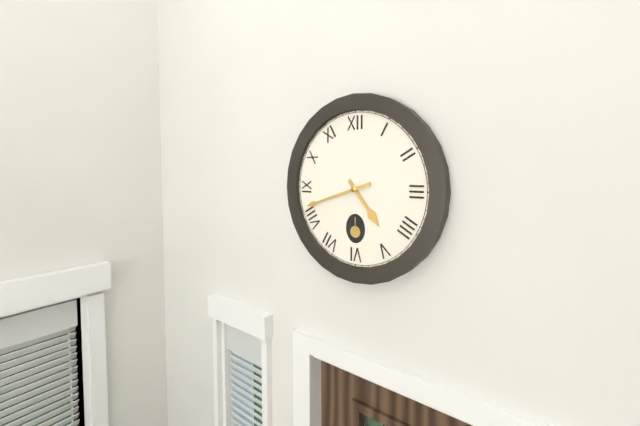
4,42
